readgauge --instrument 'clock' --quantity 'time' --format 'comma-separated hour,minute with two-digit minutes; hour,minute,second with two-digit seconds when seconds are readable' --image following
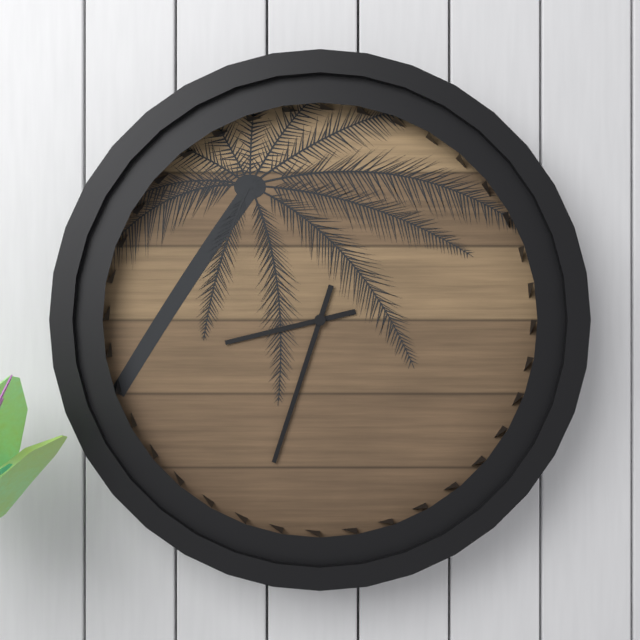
8,33
